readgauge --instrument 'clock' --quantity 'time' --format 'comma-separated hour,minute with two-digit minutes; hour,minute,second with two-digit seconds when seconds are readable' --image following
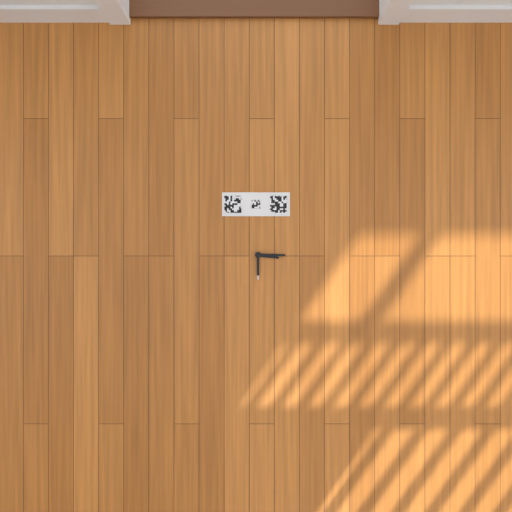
3,15
